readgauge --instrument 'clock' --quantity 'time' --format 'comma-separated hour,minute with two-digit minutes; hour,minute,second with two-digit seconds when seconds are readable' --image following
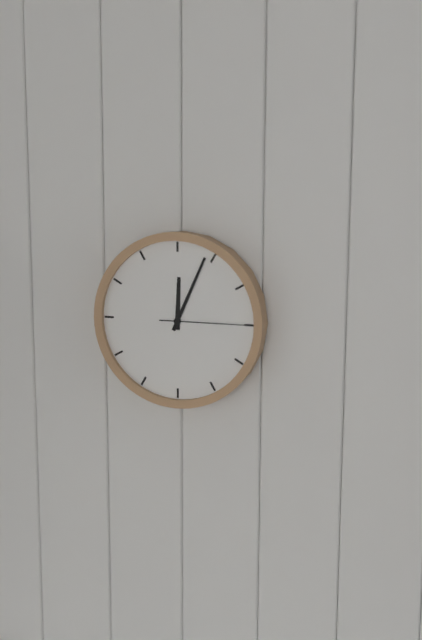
12,04,15
